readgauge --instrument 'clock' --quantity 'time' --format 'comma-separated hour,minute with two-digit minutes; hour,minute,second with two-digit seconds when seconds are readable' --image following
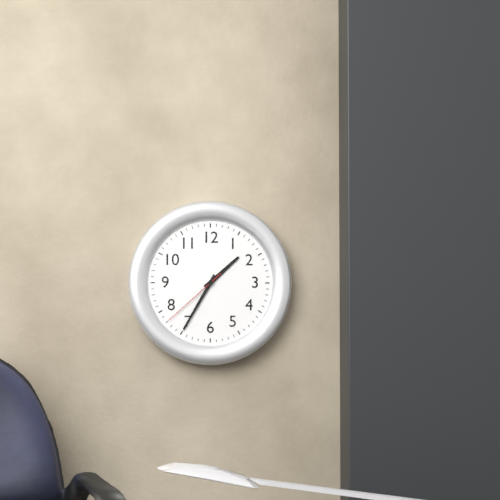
1,35,38
